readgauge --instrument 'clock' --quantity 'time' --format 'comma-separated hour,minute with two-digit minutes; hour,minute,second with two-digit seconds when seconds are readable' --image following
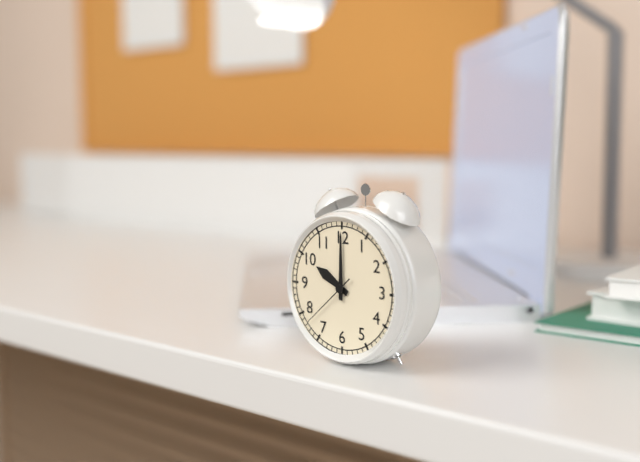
10,00,38
